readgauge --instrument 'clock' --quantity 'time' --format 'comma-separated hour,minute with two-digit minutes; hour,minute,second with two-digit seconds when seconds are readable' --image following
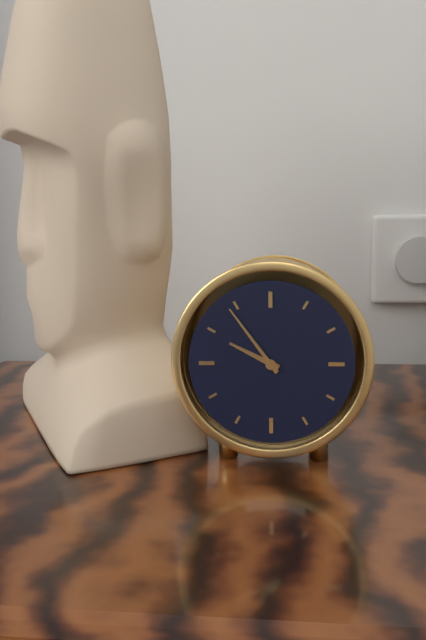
9,54
